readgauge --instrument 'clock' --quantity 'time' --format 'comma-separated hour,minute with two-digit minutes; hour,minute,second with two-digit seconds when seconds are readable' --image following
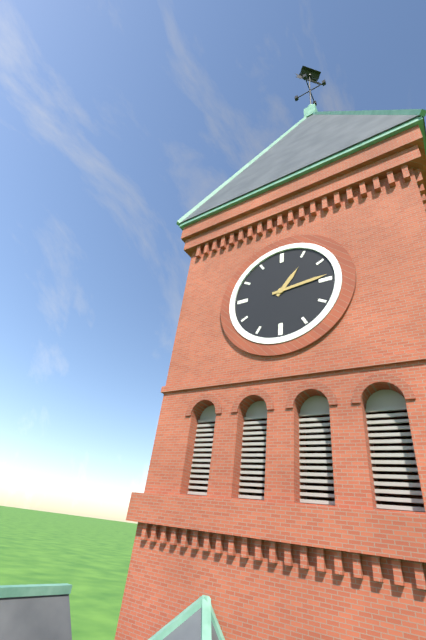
1,14
